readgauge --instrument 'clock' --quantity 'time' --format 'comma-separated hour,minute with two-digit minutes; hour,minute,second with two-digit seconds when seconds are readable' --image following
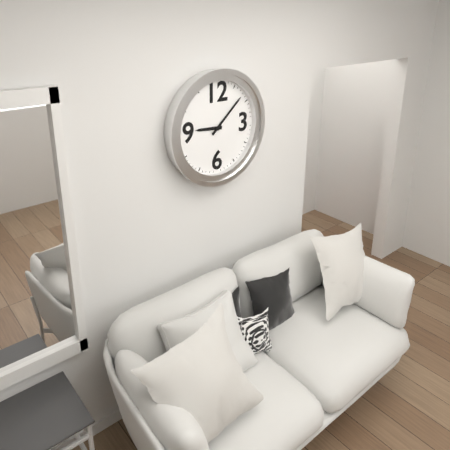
9,08
